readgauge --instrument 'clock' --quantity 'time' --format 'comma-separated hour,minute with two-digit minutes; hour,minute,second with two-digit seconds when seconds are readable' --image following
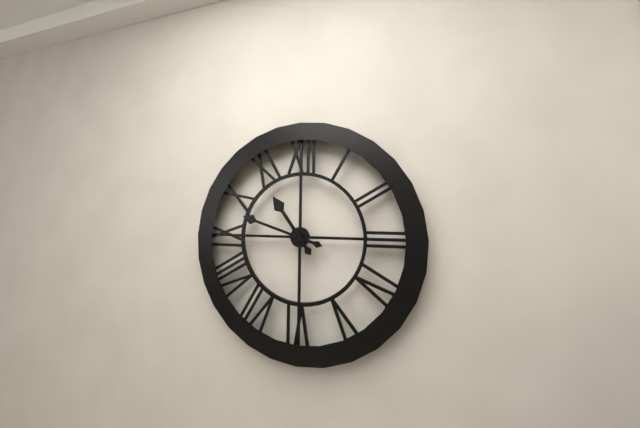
10,48
